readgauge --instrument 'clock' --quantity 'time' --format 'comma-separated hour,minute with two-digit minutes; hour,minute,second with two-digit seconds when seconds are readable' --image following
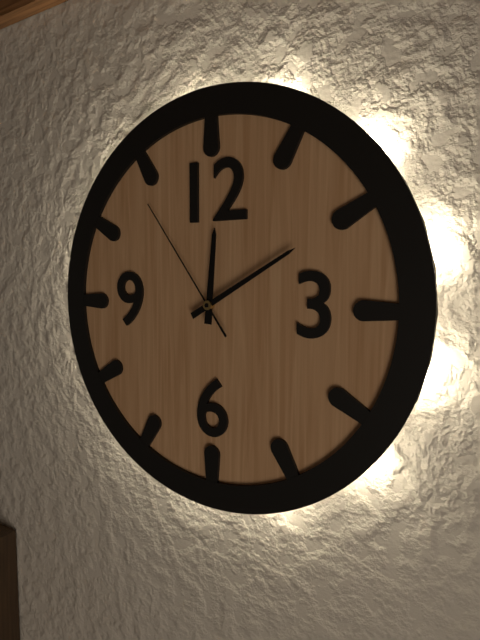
12,10,54
